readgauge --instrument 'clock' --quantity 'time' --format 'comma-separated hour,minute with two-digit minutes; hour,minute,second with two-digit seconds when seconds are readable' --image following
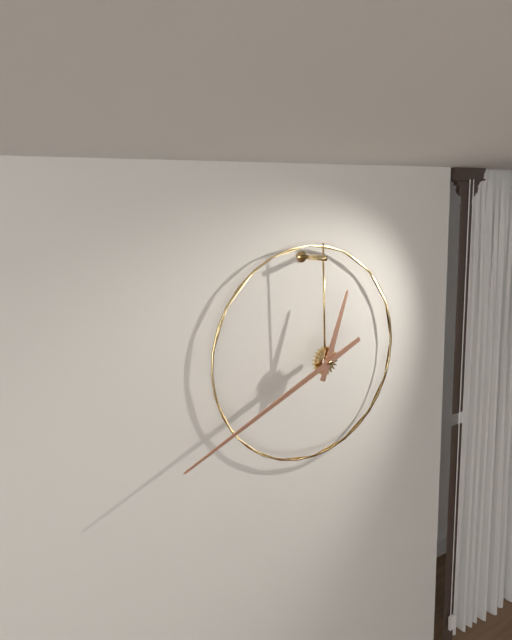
12,41
